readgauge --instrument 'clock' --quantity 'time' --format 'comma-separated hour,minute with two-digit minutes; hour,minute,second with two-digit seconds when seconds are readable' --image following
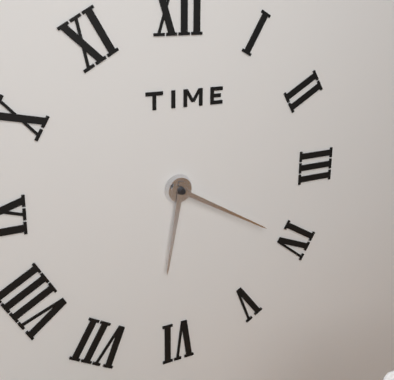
6,20
